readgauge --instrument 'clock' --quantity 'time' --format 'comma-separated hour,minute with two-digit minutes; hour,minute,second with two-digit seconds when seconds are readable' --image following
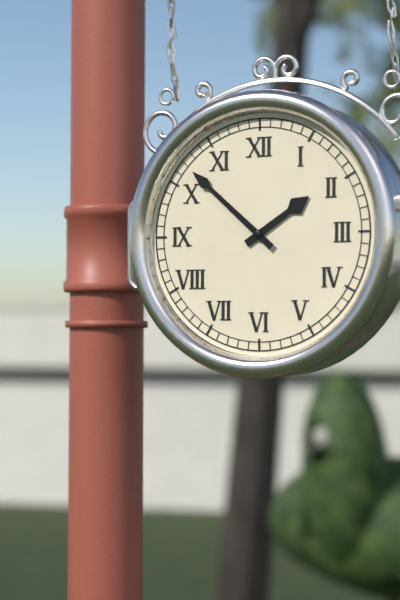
1,52
